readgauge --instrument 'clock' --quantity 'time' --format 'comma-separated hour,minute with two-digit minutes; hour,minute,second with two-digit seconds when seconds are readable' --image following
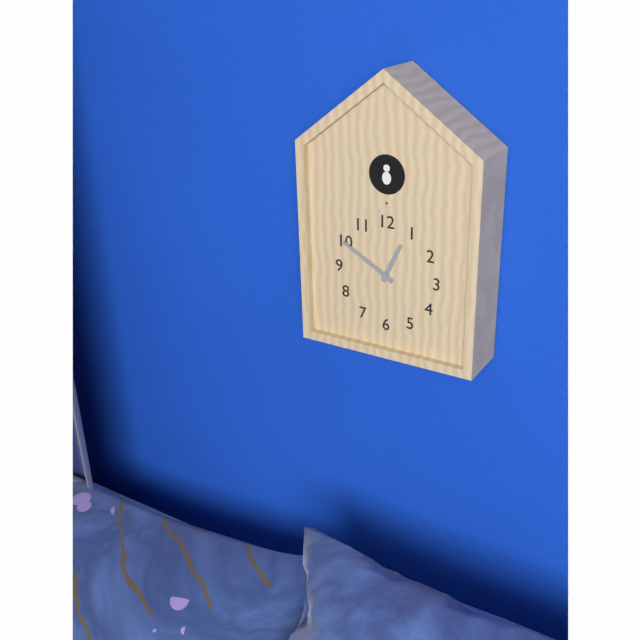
12,50
